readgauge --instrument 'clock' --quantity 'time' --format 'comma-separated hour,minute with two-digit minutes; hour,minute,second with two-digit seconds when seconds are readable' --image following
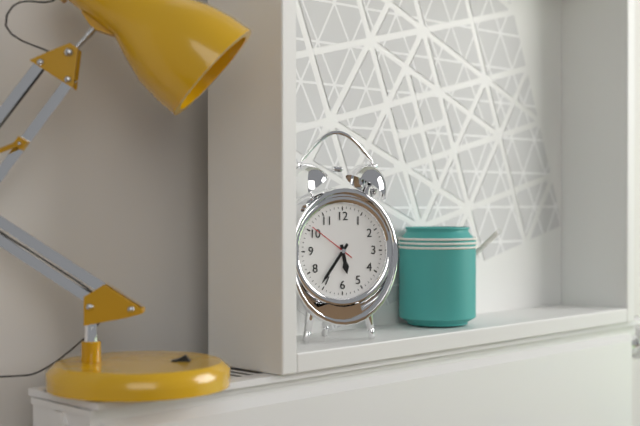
5,36
